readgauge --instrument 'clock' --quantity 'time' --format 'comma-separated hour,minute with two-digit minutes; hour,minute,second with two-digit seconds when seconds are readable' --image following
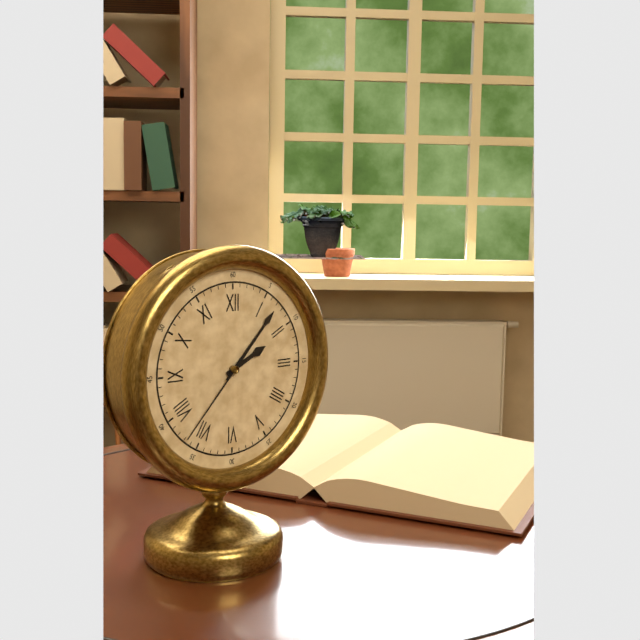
2,07,37
